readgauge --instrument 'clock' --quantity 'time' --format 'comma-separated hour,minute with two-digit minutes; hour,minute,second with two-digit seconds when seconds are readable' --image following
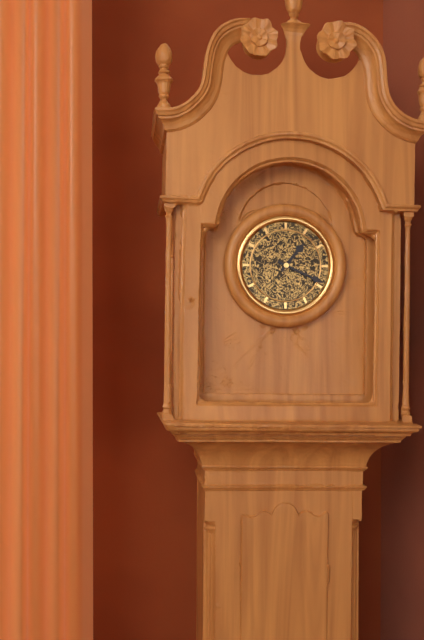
1,19
